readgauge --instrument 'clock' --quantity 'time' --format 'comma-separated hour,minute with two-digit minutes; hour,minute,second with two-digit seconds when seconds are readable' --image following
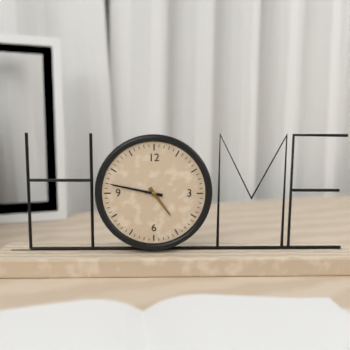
4,47
